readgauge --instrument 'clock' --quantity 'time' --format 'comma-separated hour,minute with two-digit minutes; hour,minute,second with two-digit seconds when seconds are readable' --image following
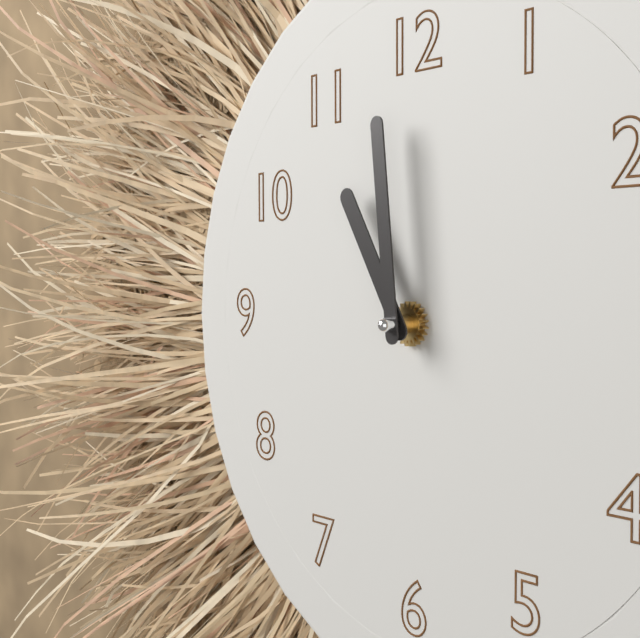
10,59
